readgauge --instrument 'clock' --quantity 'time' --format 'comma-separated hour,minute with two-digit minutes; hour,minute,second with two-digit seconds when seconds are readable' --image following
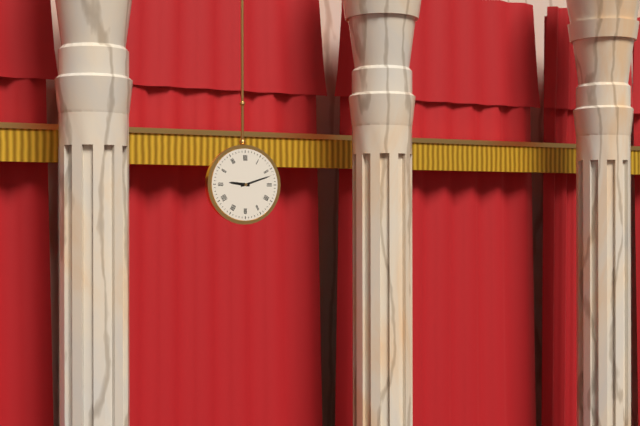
9,12
